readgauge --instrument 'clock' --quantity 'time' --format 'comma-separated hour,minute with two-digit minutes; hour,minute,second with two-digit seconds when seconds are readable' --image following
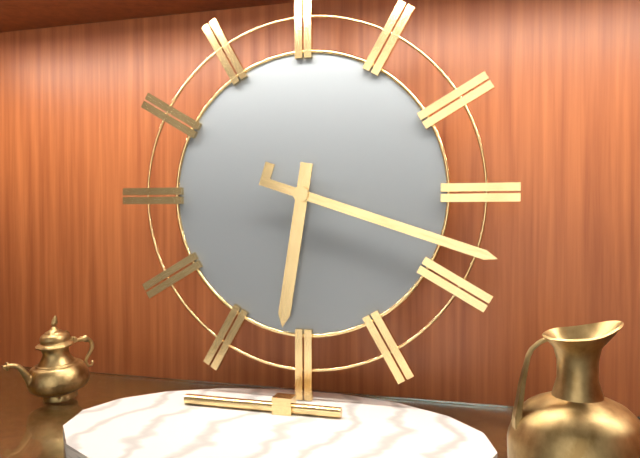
6,18
